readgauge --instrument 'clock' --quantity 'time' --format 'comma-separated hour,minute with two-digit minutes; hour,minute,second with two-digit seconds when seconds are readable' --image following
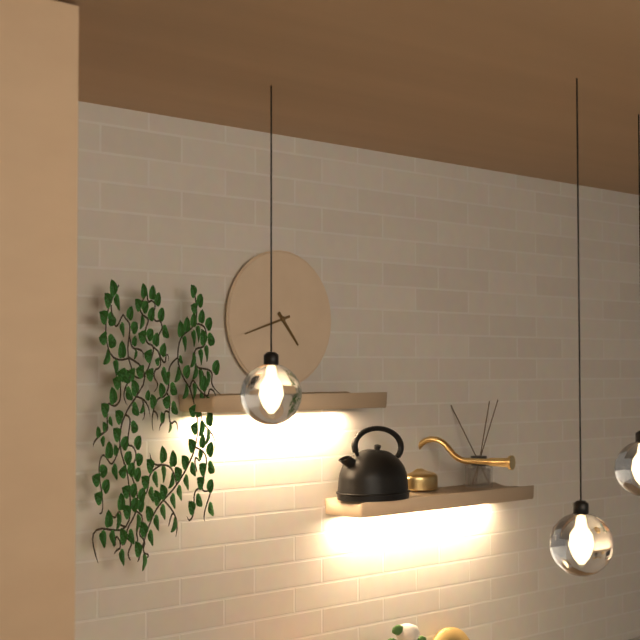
4,42
